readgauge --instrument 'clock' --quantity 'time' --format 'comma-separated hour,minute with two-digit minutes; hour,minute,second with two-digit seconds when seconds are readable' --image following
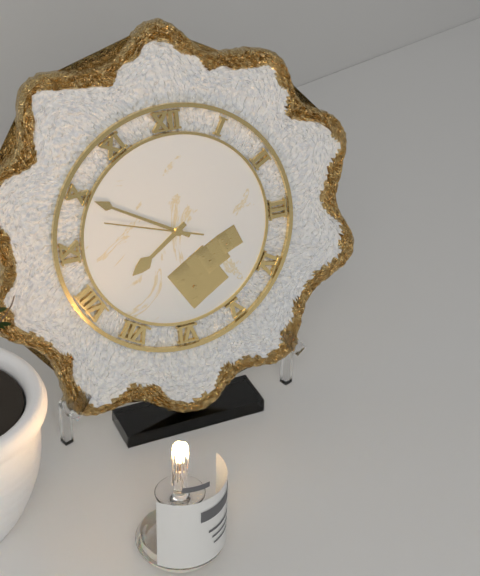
7,50,48
